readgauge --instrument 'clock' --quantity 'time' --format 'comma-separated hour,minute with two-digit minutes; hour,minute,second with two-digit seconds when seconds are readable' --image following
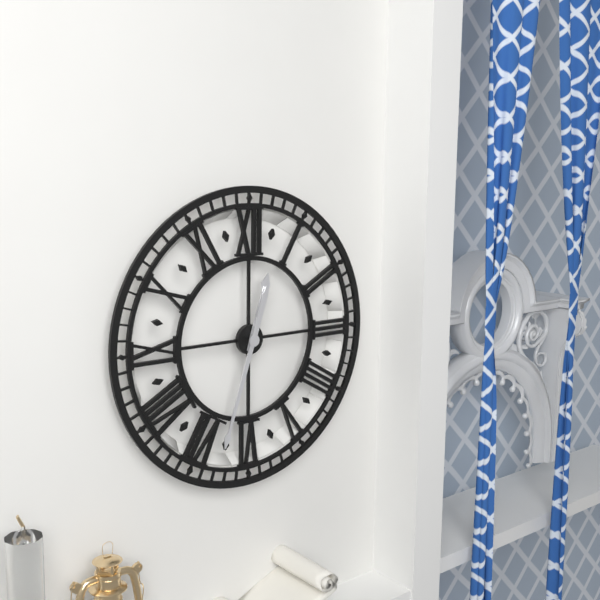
12,33
